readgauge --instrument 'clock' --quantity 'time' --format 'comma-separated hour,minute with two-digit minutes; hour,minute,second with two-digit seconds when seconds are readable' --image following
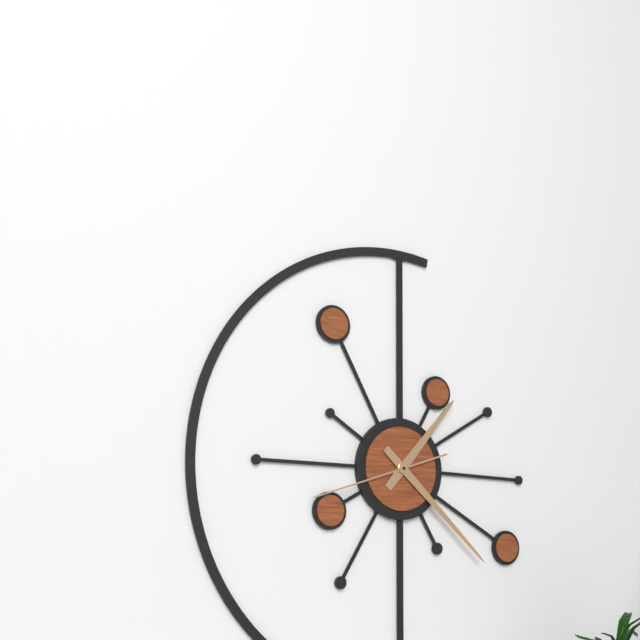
1,22,42
